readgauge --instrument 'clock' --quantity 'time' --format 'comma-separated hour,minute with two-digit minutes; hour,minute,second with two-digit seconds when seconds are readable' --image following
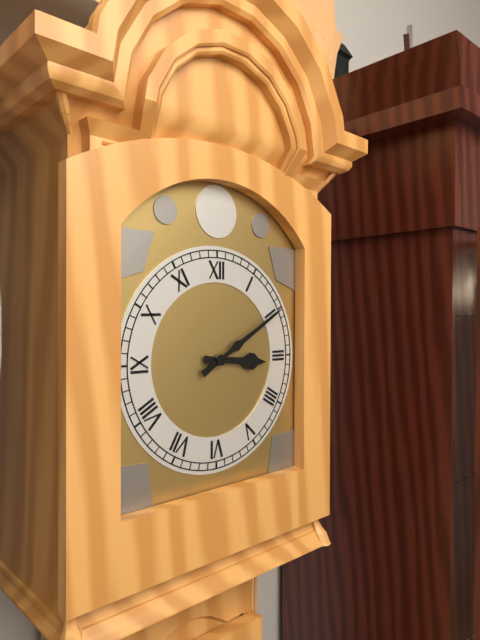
3,10
